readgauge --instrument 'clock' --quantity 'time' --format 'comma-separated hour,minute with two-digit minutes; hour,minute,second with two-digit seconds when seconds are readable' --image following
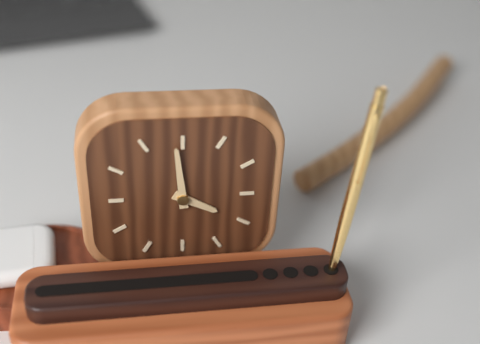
3,59
